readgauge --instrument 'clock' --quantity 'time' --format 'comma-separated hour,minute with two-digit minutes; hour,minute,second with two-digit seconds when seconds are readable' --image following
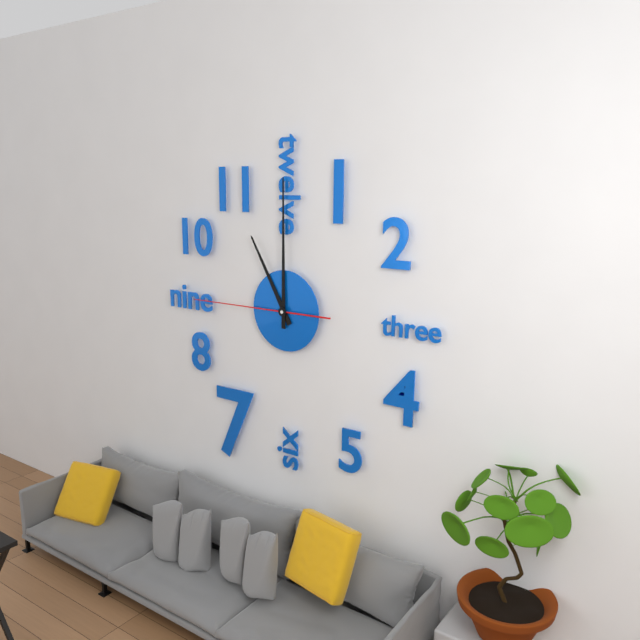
11,00,45
